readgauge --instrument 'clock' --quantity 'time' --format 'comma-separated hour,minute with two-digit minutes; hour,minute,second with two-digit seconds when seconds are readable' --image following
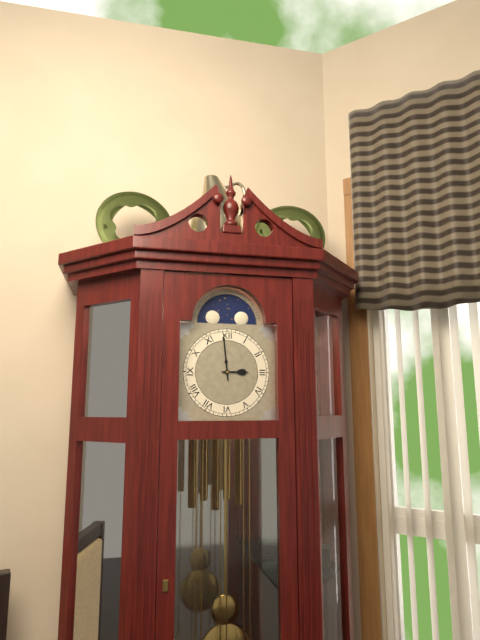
2,59
